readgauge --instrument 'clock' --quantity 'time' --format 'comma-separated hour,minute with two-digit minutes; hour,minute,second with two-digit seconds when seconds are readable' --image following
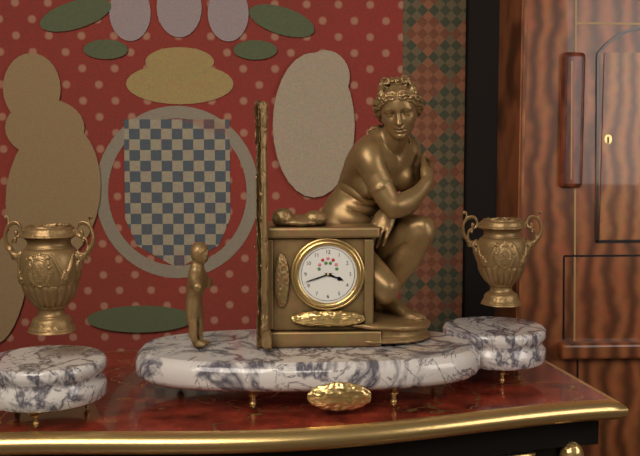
3,42
